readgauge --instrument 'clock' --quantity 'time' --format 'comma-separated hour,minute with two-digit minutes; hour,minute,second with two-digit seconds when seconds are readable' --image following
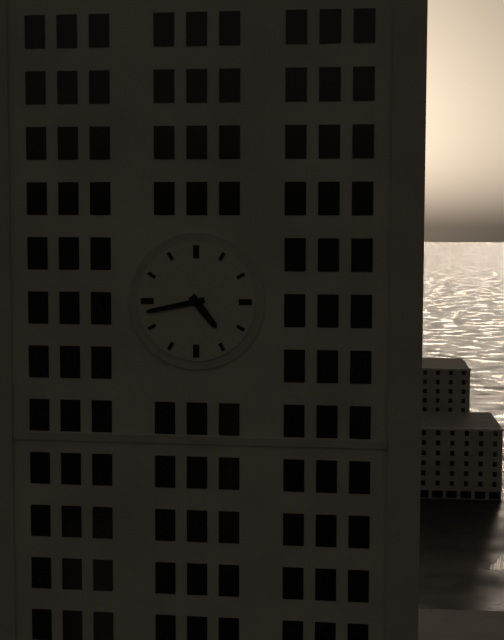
4,43
